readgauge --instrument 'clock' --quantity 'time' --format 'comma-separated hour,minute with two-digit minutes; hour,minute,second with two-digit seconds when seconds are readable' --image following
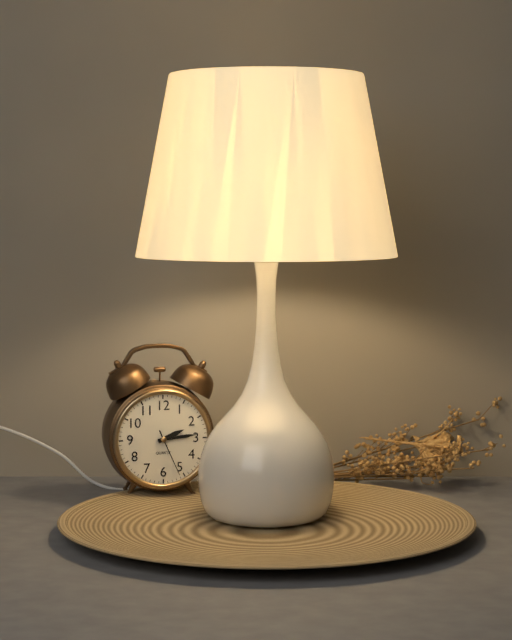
2,14
